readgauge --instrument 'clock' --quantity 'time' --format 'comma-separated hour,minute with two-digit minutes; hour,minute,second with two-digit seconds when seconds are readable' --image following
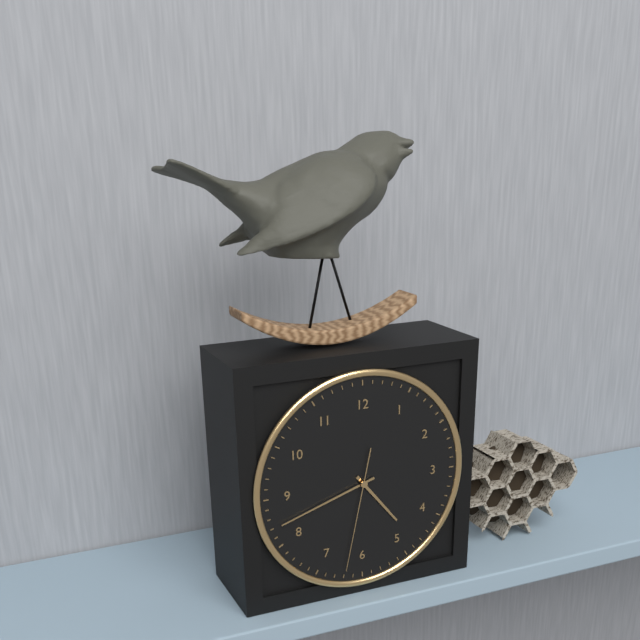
4,42,32
